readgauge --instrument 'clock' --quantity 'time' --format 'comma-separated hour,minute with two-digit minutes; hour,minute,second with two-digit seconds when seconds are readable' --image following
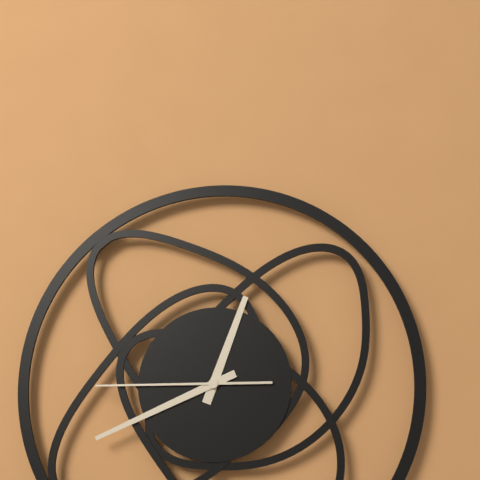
12,41,45
